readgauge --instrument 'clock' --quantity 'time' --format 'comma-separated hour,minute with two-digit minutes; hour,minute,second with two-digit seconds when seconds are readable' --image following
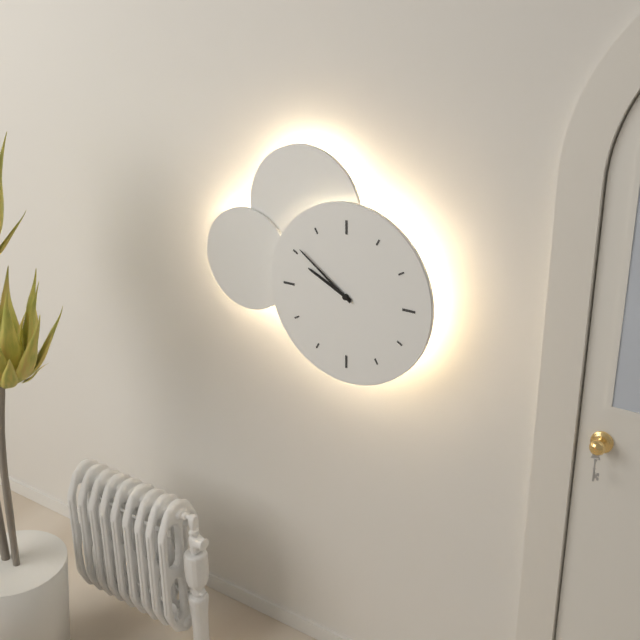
9,51
